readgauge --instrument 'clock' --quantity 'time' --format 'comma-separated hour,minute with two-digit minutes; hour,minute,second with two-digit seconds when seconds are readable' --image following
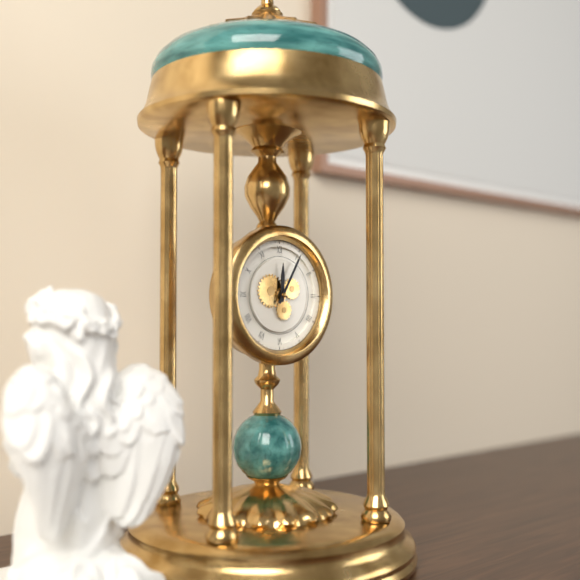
12,05
